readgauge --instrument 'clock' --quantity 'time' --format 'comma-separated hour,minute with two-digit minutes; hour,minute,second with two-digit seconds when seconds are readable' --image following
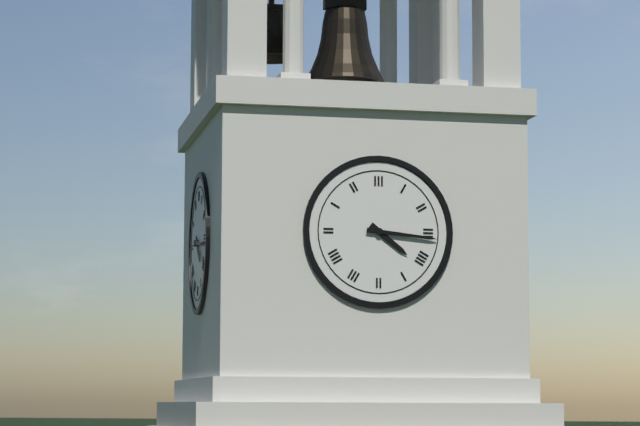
4,16
